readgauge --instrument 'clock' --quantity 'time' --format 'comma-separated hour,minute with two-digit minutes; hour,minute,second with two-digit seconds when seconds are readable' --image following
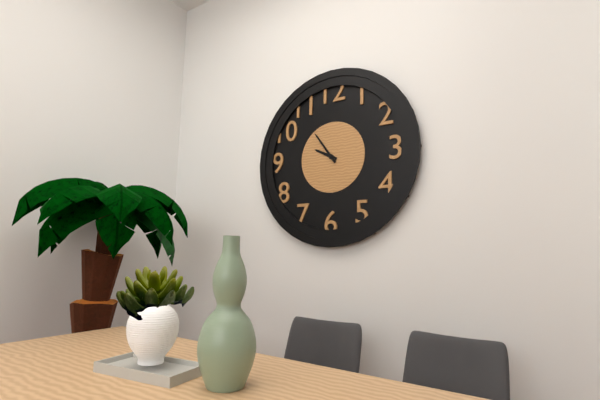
9,54
